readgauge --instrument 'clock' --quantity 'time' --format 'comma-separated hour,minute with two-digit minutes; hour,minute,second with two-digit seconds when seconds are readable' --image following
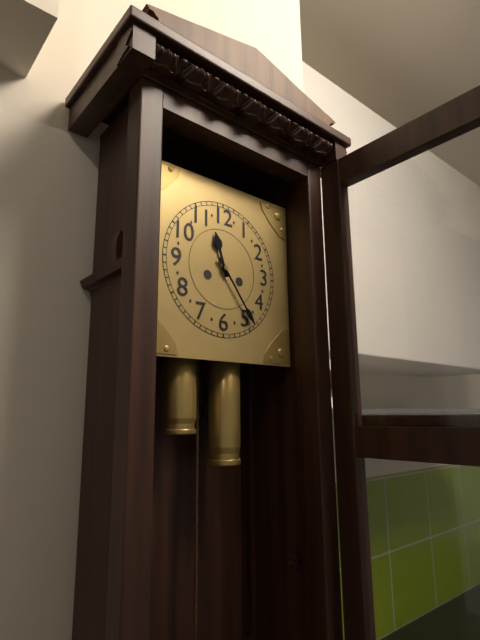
11,24
